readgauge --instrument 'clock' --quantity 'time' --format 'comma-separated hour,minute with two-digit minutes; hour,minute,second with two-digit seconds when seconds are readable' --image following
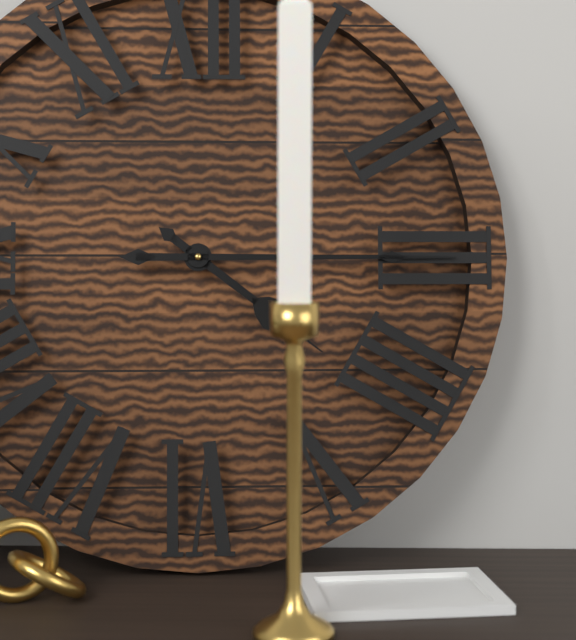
4,15
